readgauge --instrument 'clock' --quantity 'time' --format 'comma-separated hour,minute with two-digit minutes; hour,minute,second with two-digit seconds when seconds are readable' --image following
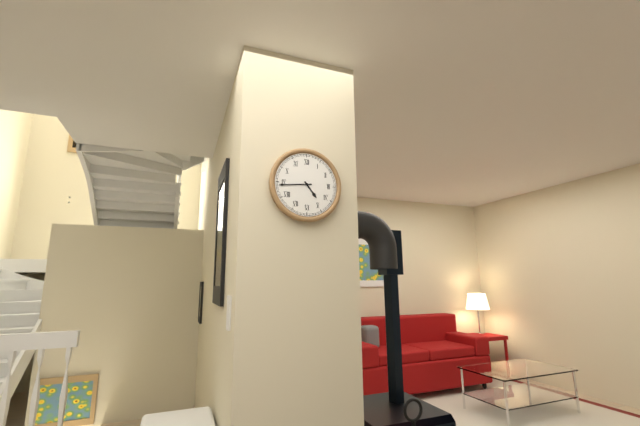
4,44
